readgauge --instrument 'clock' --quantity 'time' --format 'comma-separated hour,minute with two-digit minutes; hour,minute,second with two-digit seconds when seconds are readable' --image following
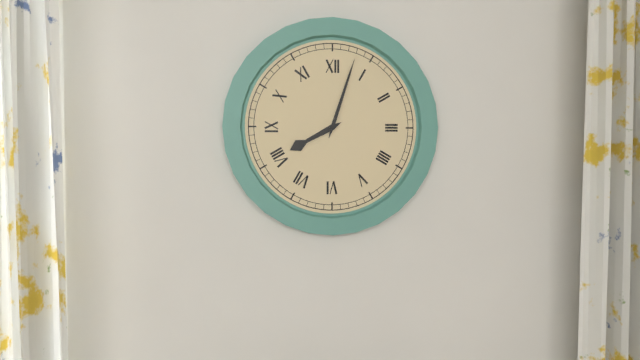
8,03
